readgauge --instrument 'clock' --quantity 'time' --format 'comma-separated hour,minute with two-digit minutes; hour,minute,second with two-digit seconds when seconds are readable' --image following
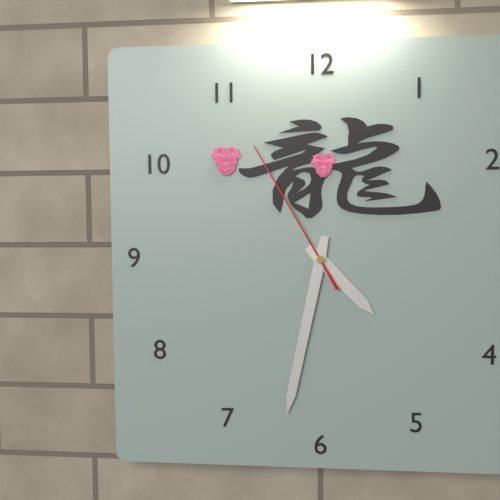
4,32,55
